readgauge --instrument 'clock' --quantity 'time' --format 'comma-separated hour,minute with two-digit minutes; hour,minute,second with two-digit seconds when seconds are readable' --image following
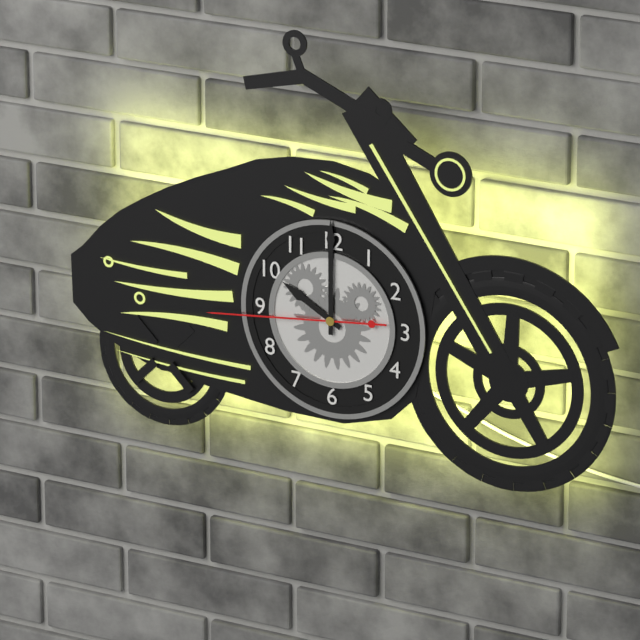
10,00,44
